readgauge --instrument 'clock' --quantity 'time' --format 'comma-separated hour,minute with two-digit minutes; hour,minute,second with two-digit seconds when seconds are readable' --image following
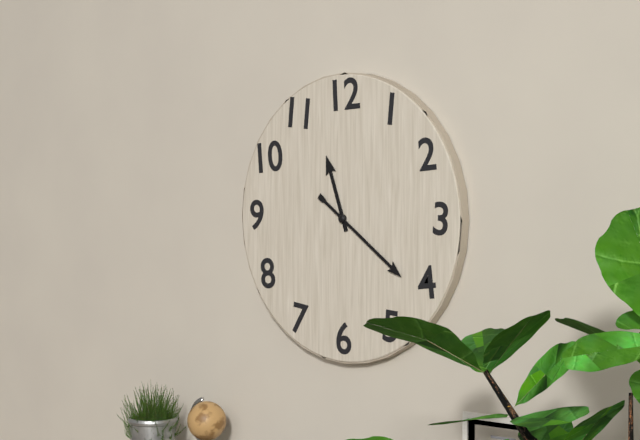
11,21
